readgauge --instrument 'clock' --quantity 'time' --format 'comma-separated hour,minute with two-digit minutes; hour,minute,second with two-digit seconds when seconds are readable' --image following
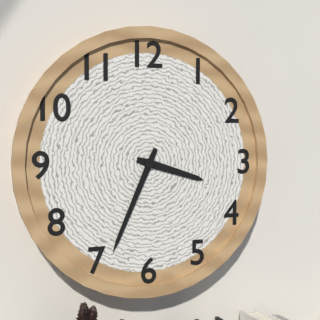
3,34
